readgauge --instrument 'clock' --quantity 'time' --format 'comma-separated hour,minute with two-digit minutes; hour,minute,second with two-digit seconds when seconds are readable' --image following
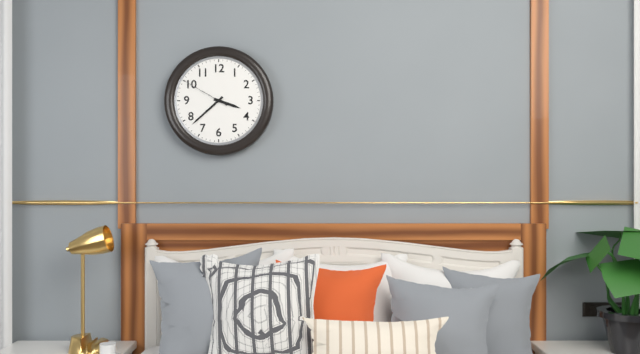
3,38,50
